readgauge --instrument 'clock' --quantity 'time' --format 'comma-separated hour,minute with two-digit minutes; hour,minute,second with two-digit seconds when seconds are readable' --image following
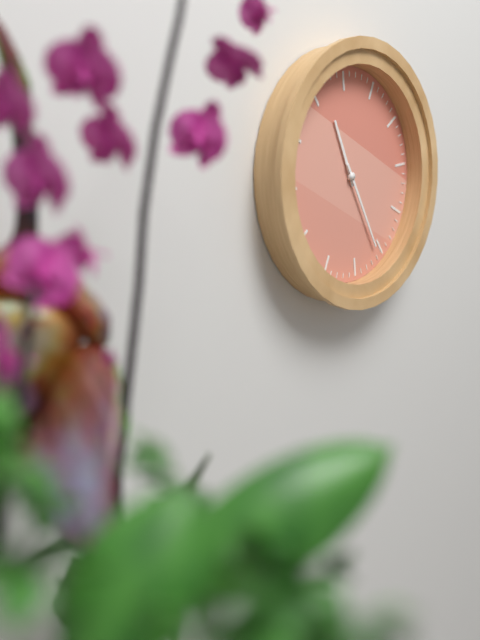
10,21
